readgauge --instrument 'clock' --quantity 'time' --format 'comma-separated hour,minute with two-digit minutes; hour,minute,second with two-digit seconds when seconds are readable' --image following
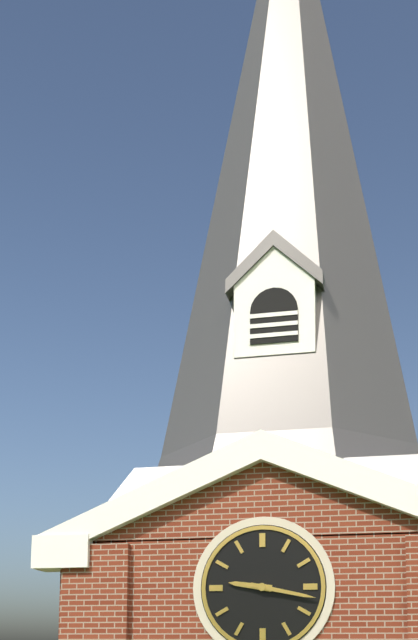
9,17
